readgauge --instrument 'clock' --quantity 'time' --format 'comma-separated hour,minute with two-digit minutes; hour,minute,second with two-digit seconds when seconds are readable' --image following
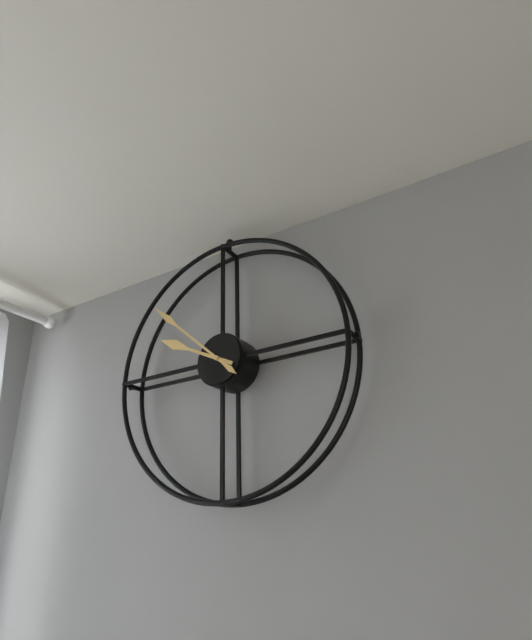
9,52
